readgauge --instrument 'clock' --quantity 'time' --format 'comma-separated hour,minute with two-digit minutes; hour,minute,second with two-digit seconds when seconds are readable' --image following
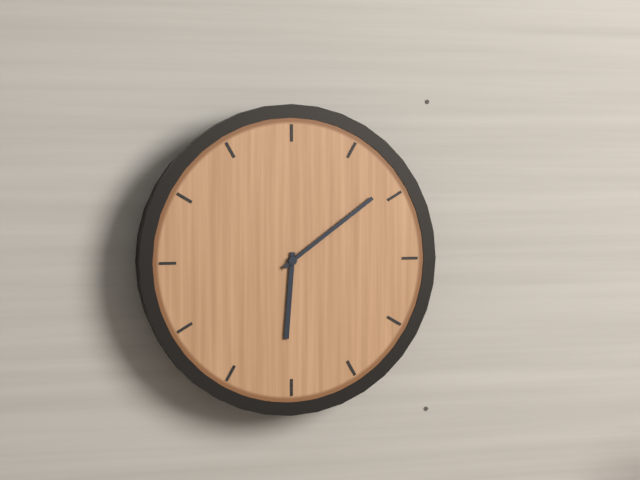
6,09
